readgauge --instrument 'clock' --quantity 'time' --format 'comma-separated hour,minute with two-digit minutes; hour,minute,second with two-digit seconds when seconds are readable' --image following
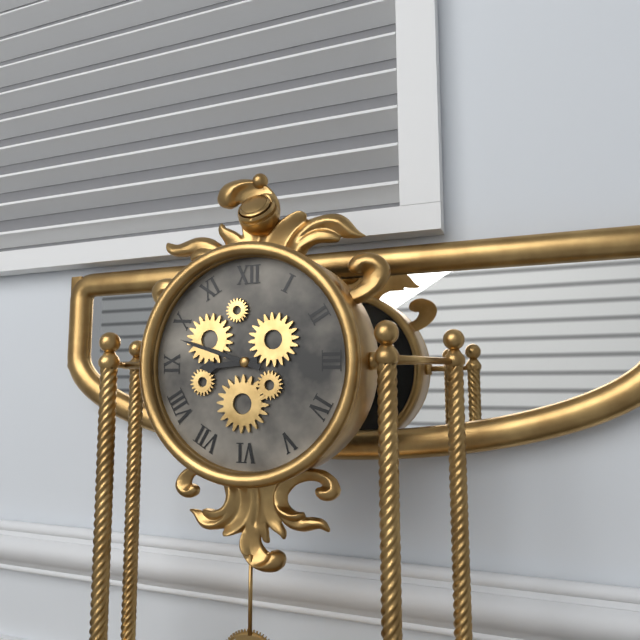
8,48
